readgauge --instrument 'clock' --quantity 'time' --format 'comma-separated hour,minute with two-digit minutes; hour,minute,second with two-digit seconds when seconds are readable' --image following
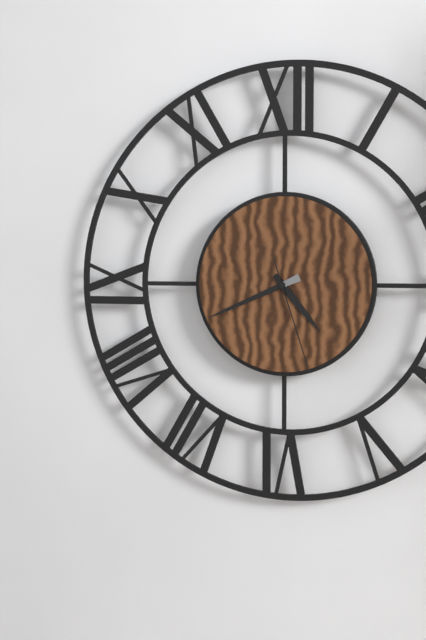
4,41,27
